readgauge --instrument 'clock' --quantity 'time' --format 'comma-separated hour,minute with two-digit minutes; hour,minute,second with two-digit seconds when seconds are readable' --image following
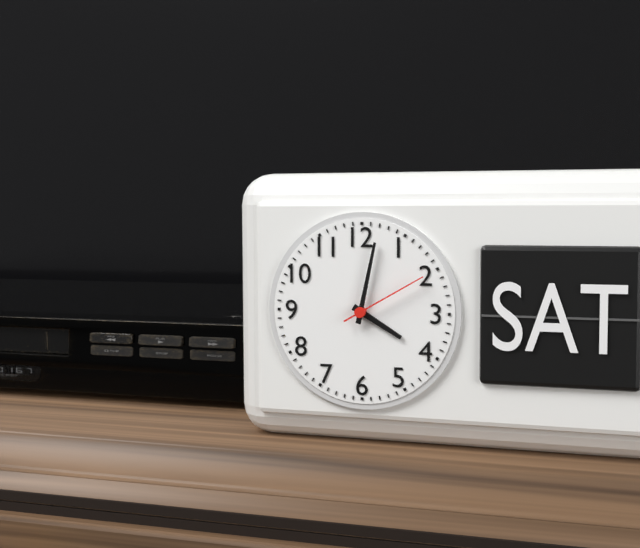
4,02,10
